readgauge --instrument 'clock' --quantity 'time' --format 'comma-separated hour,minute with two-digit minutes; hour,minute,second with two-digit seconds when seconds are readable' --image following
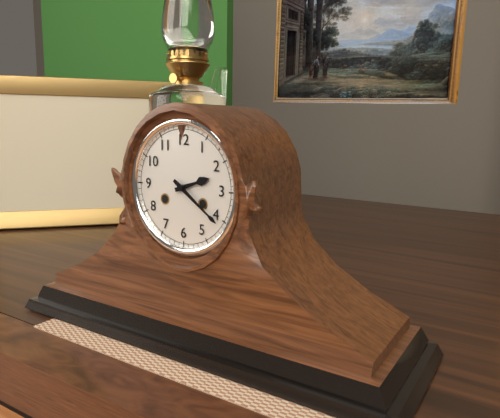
2,21
